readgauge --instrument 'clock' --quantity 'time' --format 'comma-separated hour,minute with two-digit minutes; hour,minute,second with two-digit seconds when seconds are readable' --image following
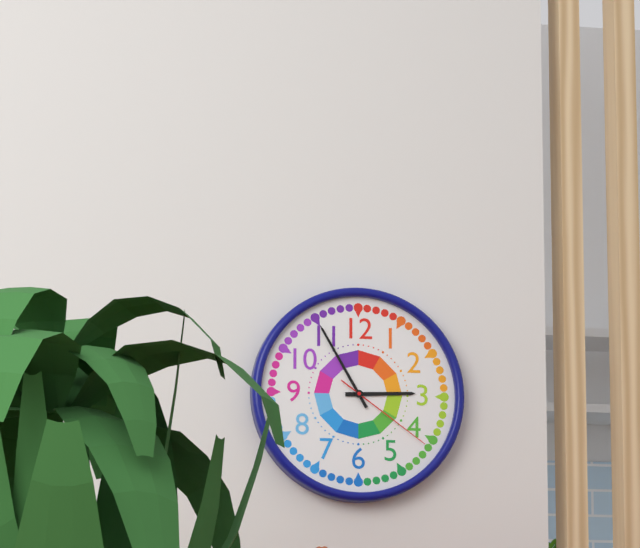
2,55,21
